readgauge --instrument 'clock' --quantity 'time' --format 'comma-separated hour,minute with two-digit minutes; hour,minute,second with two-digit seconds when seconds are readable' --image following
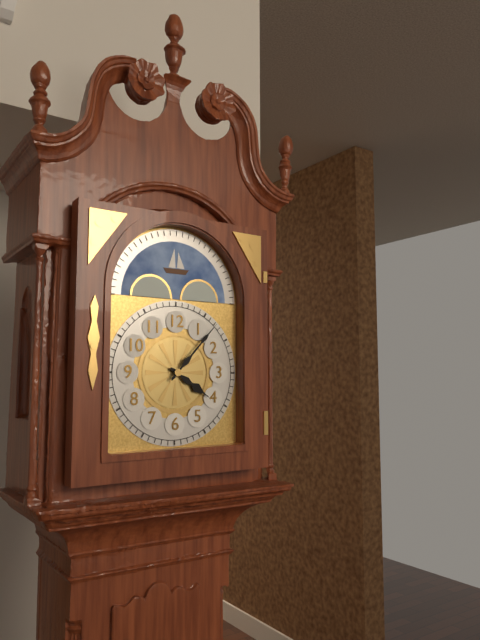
4,07
